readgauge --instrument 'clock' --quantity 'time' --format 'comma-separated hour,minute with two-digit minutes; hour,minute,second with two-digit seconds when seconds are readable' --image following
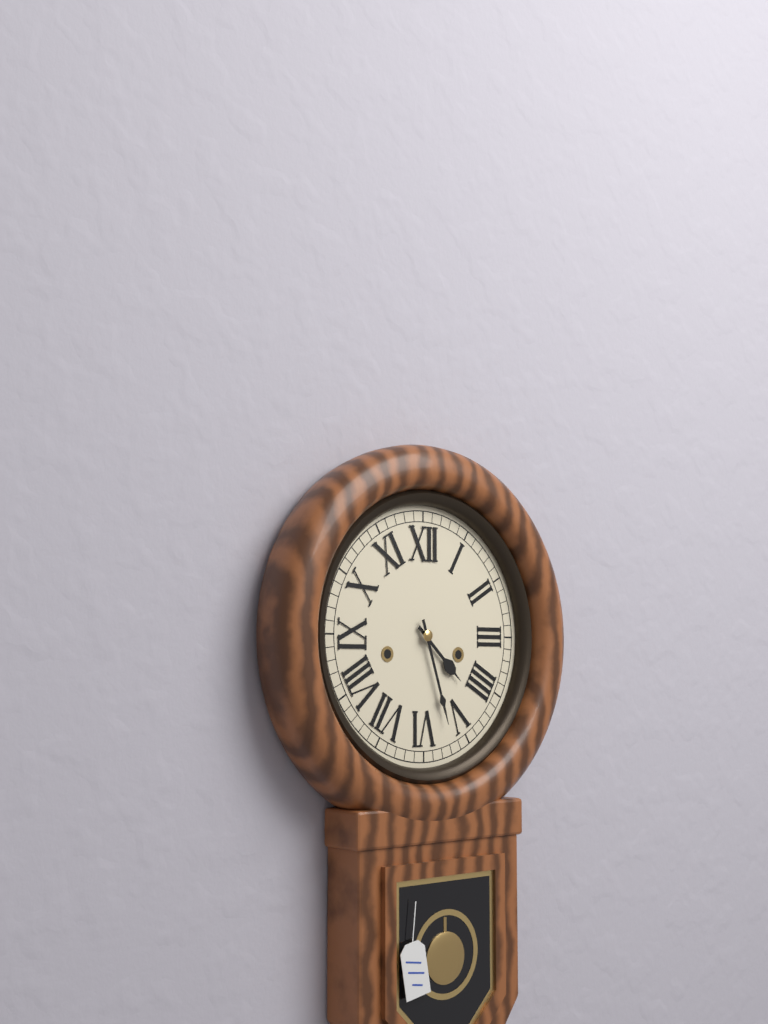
4,27
